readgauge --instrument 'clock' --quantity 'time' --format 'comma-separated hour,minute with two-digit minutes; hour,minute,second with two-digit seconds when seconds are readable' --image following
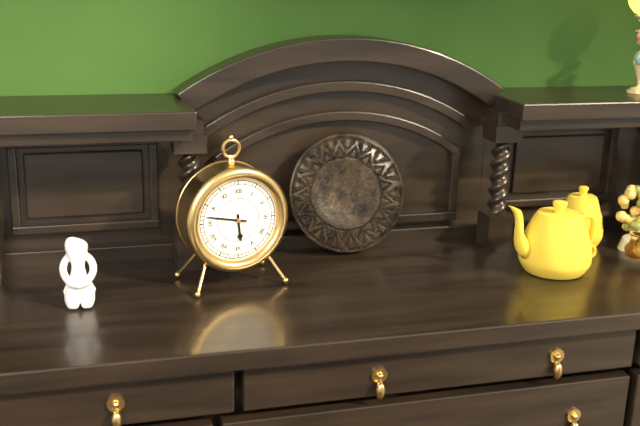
5,47
